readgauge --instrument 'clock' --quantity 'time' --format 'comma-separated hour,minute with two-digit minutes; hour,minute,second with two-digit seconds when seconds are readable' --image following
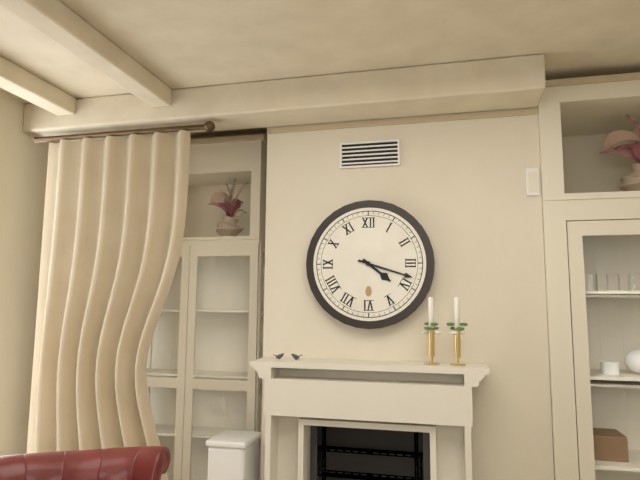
4,18
